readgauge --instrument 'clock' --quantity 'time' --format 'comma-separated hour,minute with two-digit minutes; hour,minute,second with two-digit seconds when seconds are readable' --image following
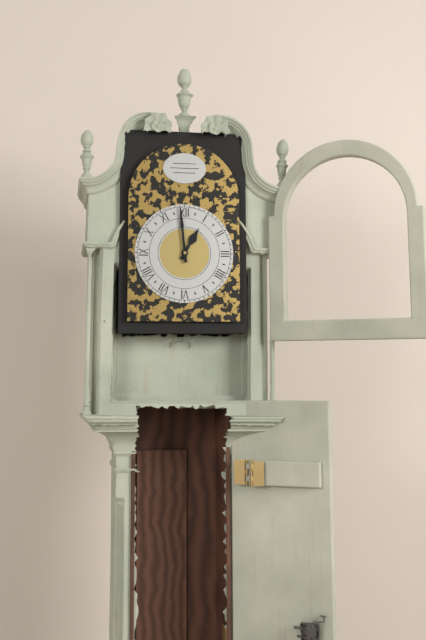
12,59
